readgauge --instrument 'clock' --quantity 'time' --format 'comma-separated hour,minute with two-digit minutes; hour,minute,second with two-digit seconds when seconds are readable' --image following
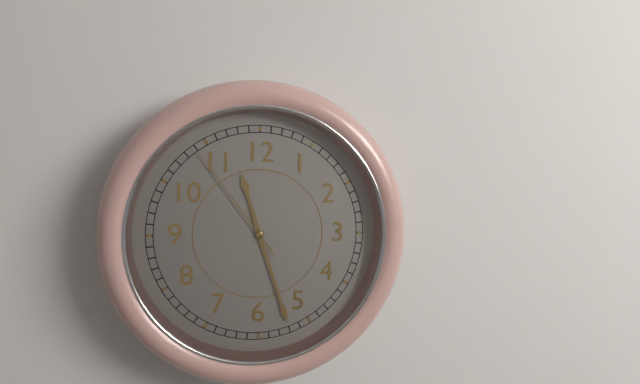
11,27,54
